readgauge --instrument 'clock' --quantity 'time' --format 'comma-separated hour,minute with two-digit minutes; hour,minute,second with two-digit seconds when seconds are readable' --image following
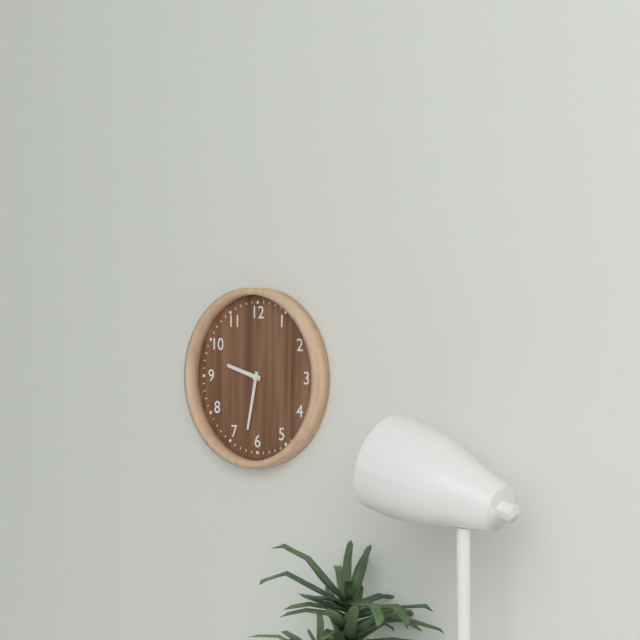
9,32
